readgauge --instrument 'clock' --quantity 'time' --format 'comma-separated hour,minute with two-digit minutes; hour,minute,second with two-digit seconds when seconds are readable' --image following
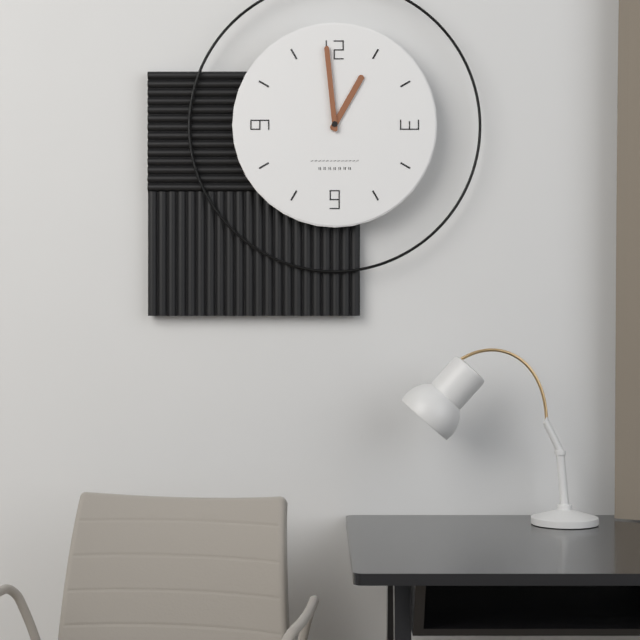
12,59
